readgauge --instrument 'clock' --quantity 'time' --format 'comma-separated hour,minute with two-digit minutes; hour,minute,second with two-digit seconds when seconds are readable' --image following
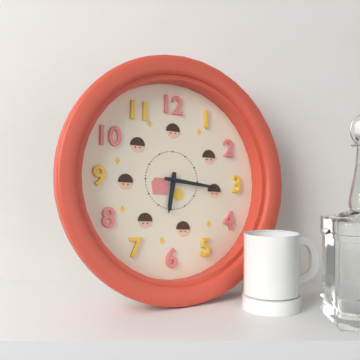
6,16
